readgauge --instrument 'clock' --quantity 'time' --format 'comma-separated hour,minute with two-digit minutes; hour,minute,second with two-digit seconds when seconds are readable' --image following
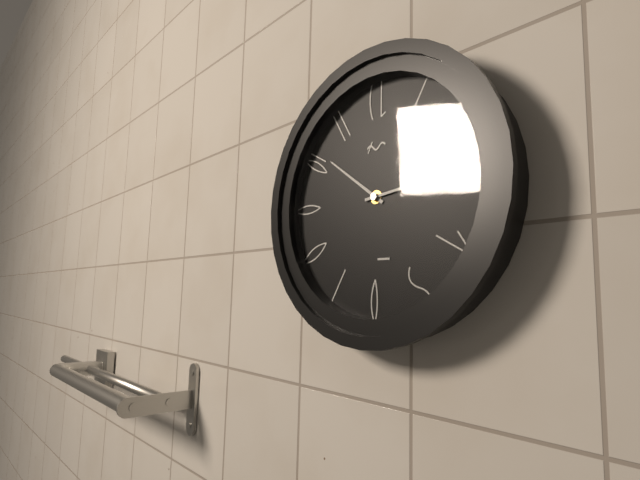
10,14
